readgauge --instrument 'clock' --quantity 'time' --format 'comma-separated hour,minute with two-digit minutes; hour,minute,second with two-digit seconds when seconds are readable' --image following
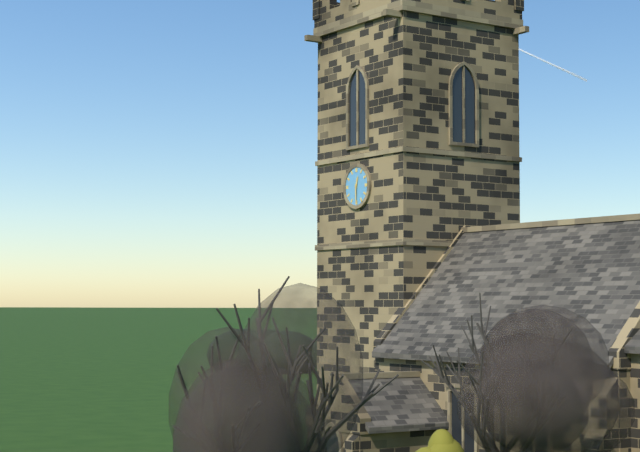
12,30
